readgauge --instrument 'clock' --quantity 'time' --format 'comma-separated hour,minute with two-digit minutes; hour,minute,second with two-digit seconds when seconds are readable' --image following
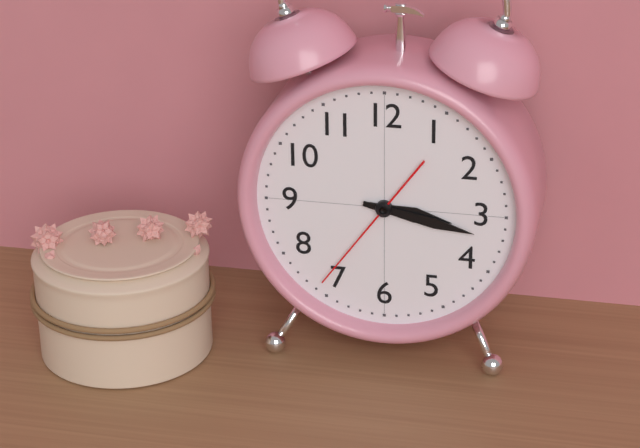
3,17,36
